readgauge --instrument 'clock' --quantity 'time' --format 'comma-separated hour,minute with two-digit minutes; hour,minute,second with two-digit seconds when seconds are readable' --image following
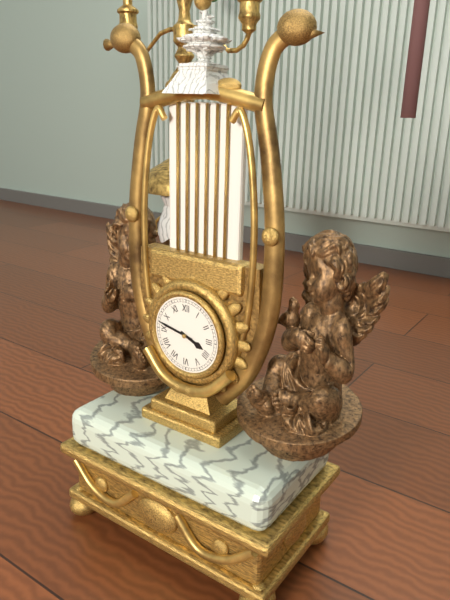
3,47
